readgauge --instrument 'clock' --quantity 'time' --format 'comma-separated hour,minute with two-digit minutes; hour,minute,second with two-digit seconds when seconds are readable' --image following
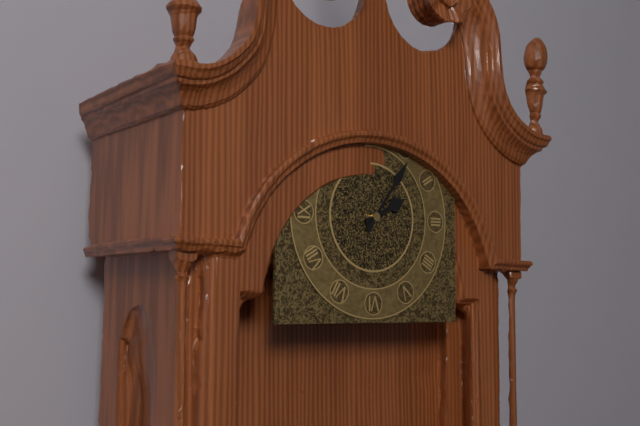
2,06
